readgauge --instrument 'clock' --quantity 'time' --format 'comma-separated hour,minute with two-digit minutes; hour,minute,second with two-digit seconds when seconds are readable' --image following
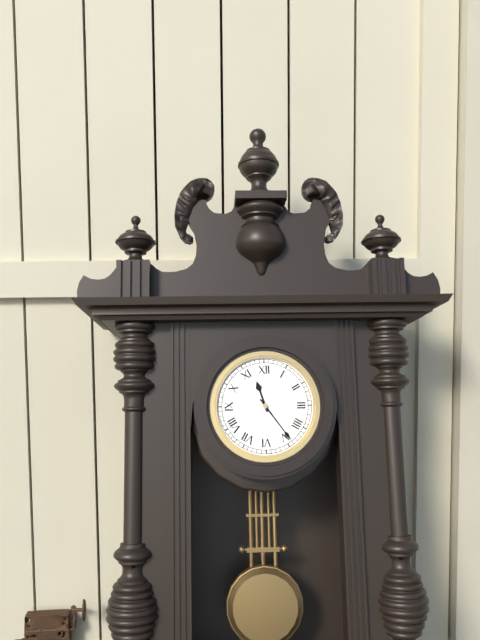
11,24
